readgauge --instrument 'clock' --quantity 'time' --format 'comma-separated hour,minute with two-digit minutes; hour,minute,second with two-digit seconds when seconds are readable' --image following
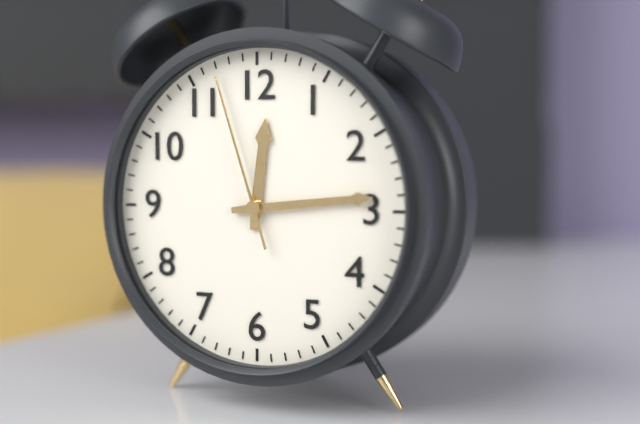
12,14,57
